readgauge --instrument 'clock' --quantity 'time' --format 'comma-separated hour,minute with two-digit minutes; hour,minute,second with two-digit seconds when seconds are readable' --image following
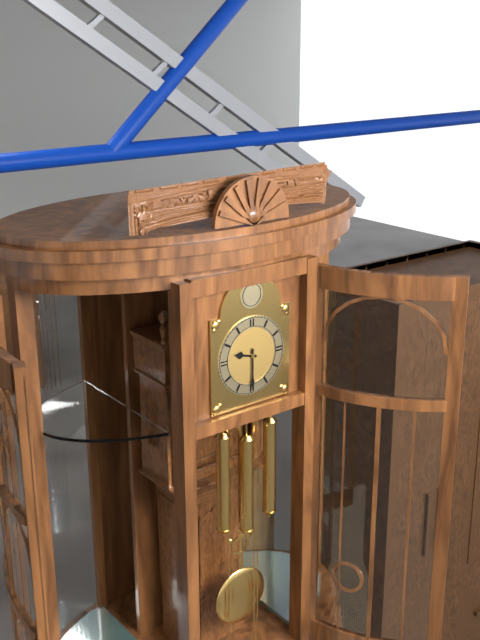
9,30
